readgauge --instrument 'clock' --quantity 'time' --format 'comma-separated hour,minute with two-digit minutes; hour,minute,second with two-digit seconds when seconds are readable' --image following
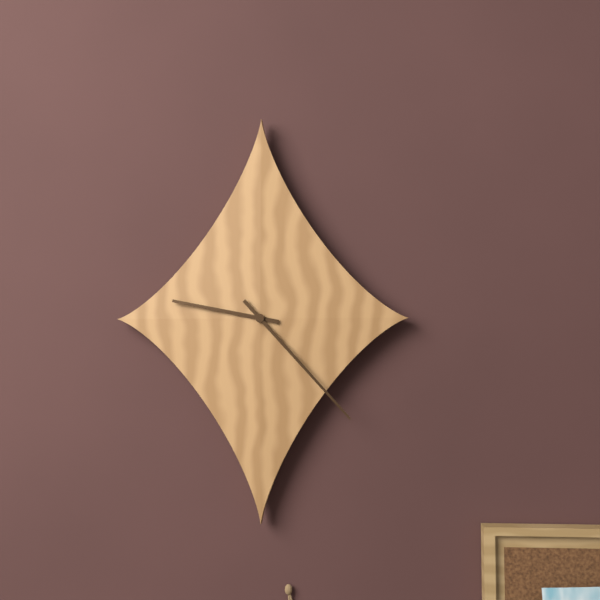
9,23
